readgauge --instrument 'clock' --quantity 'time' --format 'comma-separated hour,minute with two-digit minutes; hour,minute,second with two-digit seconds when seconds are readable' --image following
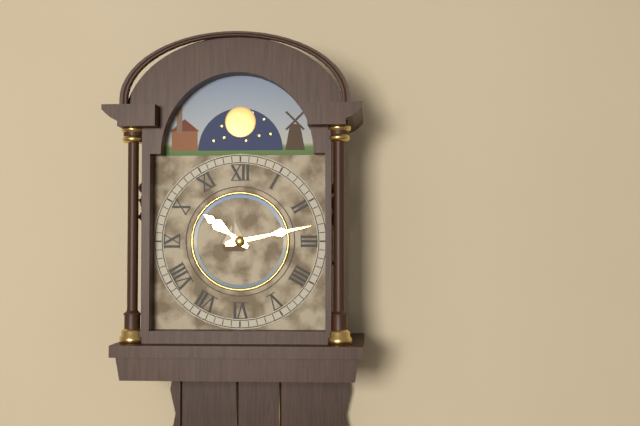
10,13
